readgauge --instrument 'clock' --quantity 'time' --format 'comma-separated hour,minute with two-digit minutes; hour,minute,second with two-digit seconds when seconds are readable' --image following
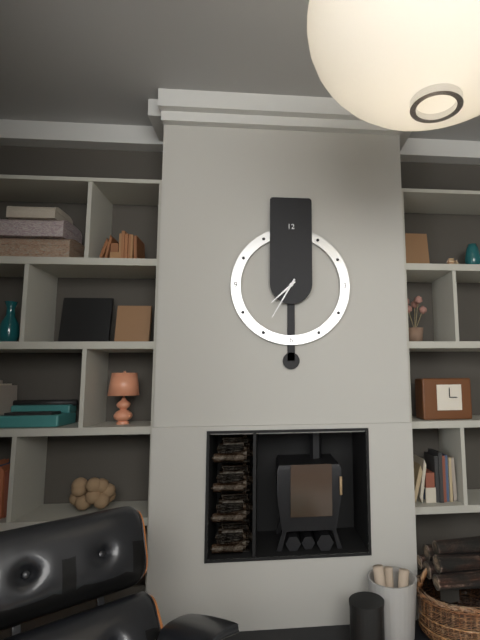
7,35
